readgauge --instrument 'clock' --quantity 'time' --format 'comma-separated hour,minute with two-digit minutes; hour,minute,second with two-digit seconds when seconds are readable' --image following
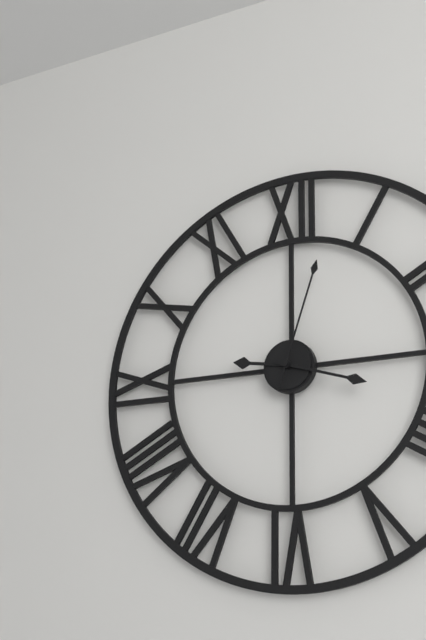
9,18,03
